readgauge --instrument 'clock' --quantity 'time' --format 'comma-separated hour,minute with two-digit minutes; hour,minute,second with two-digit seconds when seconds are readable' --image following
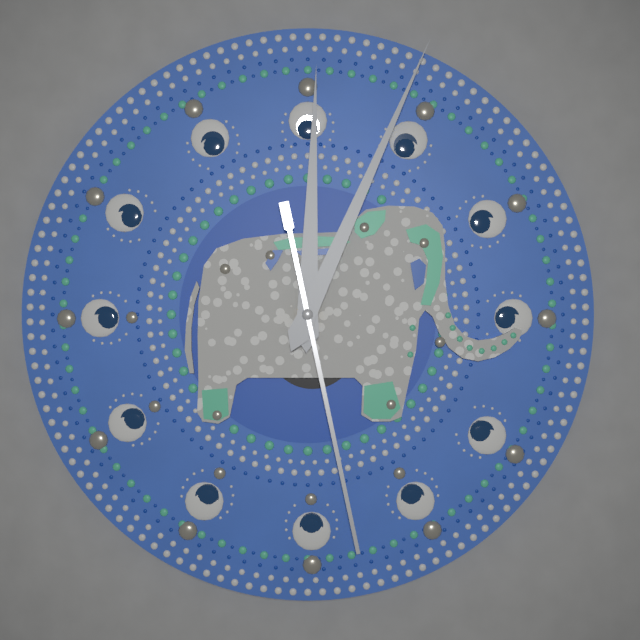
12,04,28
